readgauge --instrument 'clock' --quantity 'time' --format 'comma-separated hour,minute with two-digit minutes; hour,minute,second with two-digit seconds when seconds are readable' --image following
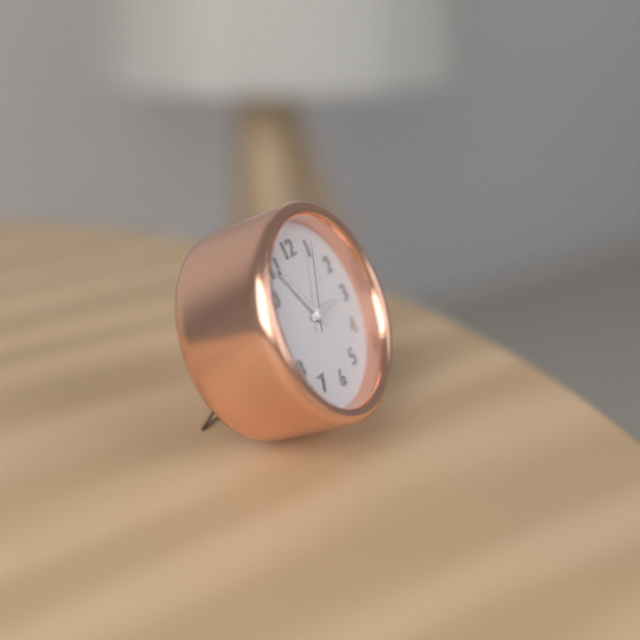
2,55,05
